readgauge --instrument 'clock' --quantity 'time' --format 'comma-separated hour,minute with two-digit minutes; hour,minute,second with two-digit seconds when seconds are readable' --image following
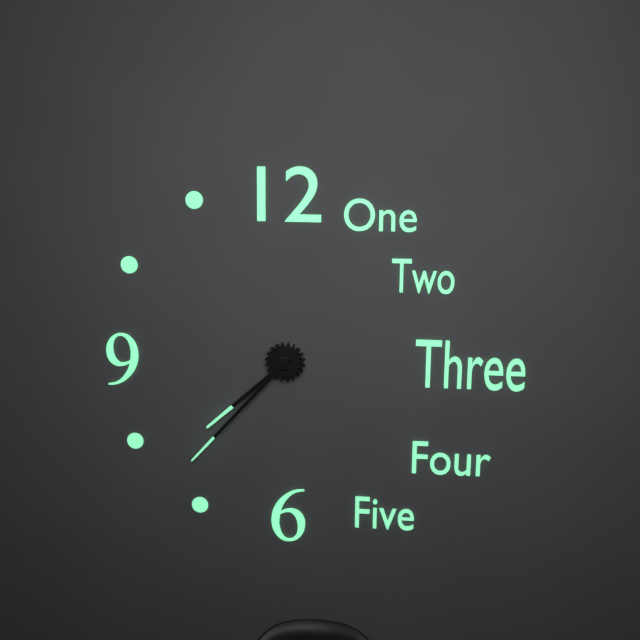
7,37
